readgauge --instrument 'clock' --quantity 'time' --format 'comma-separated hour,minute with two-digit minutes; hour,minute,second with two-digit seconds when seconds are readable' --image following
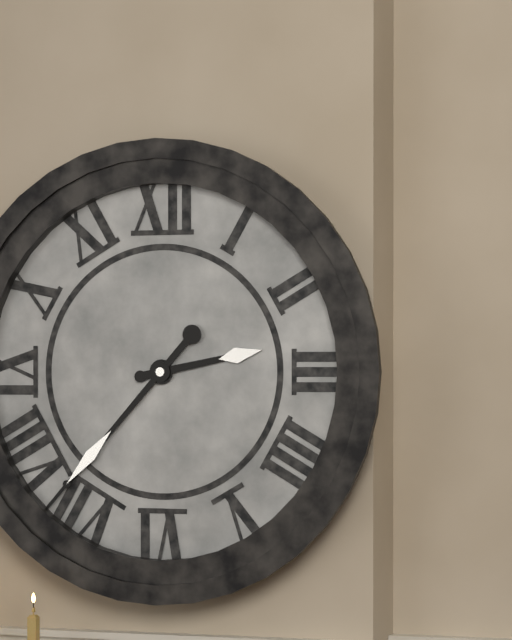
2,37
